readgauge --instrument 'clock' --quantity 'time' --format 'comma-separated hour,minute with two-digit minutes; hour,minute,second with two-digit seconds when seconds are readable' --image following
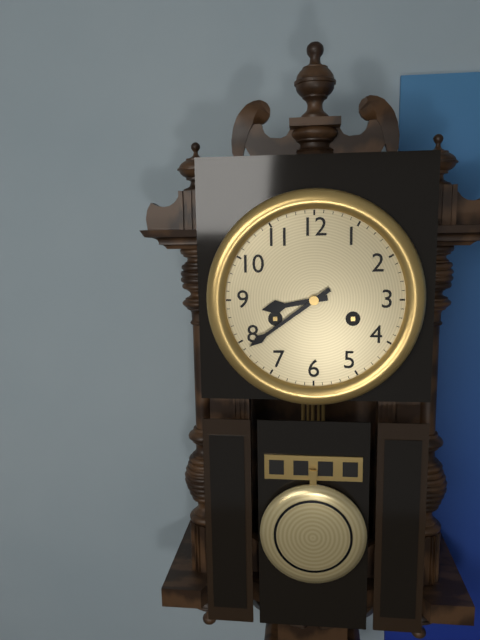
8,39
